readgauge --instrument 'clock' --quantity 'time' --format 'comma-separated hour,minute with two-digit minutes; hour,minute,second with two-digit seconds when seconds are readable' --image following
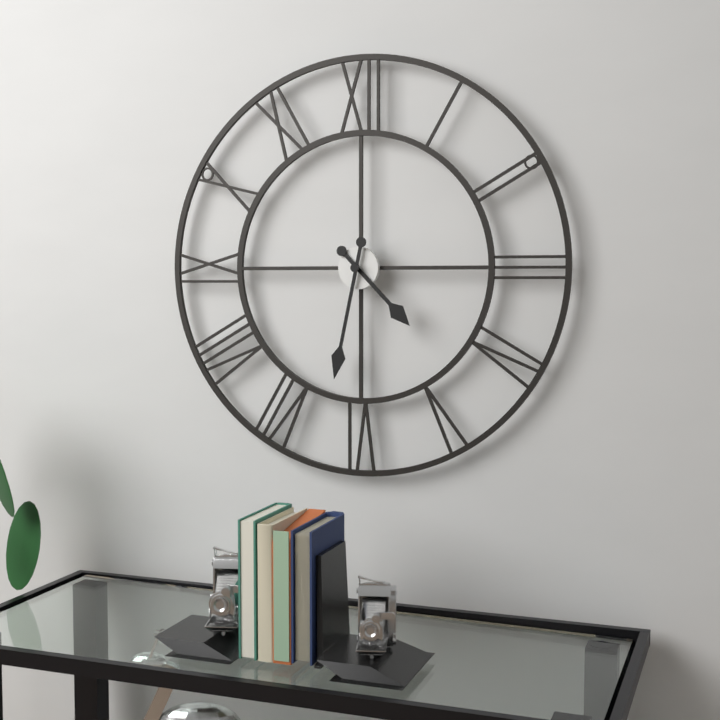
4,32
